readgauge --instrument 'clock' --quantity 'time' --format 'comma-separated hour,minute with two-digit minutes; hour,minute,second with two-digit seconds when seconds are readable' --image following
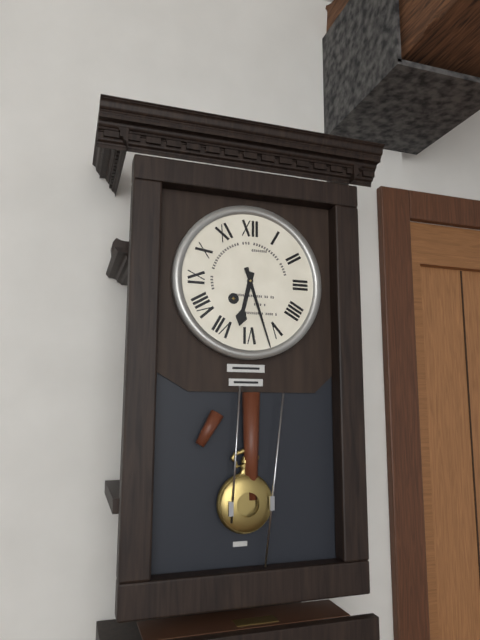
6,27
